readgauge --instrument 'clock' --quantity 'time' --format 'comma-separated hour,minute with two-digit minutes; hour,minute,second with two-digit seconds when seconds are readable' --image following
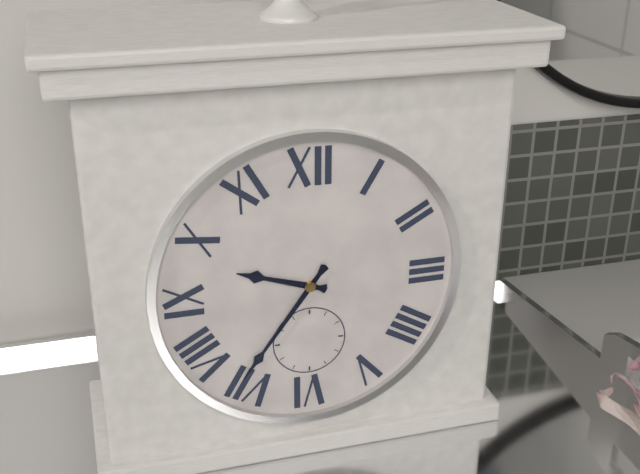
9,36
